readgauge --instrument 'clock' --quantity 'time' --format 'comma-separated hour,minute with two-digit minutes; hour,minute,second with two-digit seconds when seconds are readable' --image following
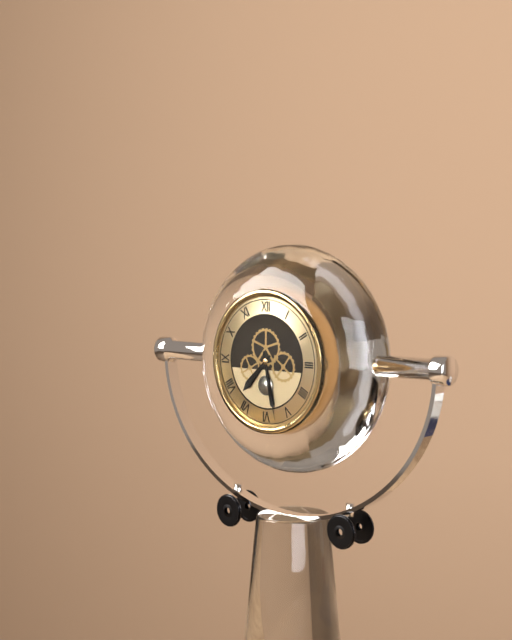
7,28
